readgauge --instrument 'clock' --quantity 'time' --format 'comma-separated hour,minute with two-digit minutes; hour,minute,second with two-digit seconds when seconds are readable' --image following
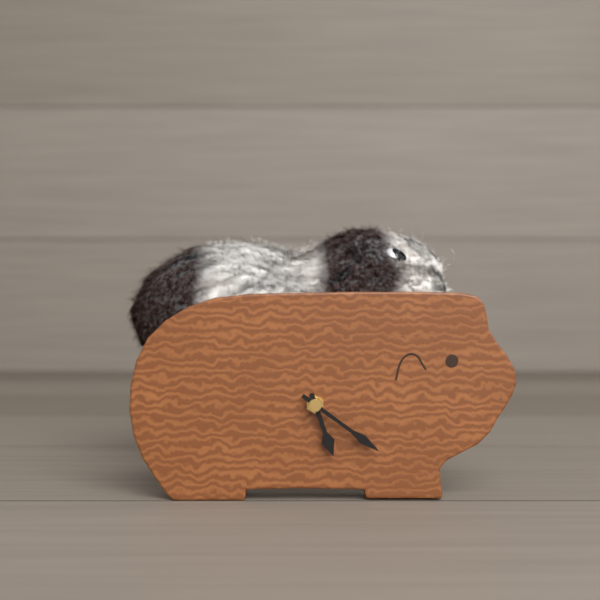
5,21
